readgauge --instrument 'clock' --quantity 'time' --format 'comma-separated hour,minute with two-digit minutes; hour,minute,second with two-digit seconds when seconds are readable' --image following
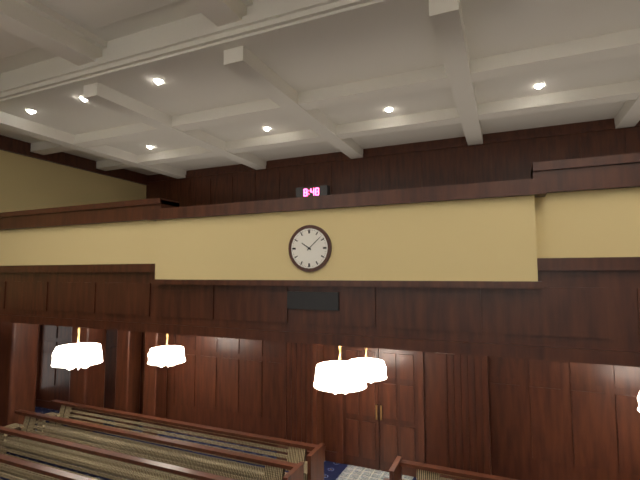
10,08
